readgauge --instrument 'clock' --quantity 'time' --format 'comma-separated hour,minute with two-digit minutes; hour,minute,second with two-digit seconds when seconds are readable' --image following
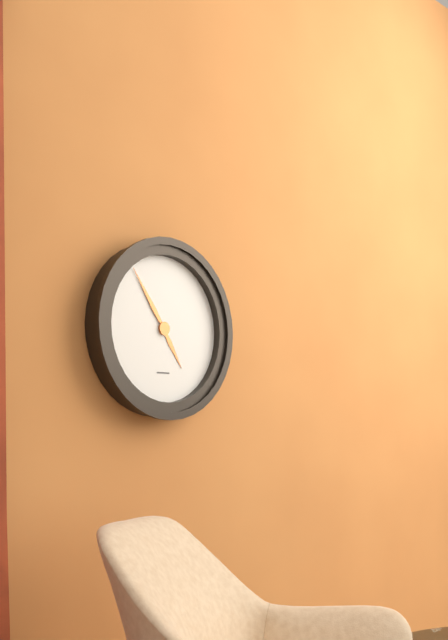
4,54
